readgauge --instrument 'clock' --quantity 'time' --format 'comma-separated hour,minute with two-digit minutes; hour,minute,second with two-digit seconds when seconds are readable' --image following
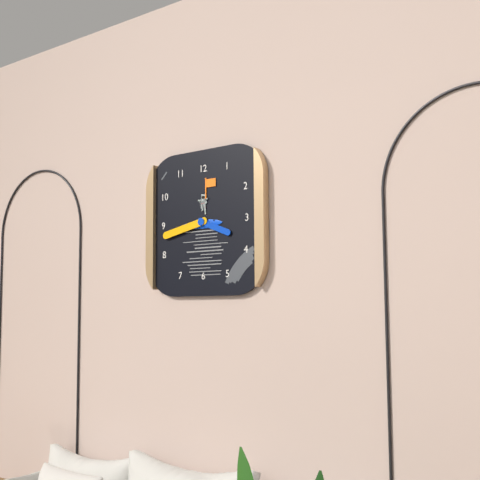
3,43
